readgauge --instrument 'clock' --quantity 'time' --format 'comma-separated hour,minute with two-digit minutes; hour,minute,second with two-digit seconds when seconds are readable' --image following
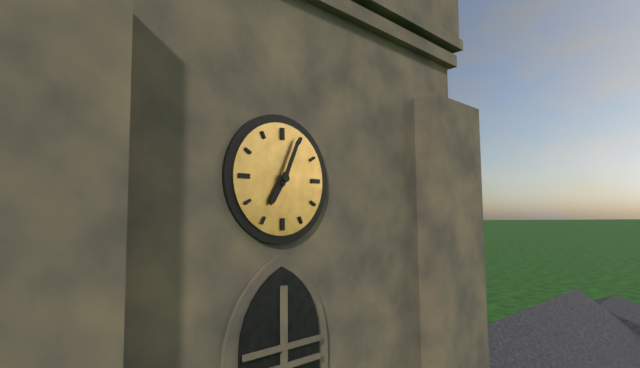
7,04
